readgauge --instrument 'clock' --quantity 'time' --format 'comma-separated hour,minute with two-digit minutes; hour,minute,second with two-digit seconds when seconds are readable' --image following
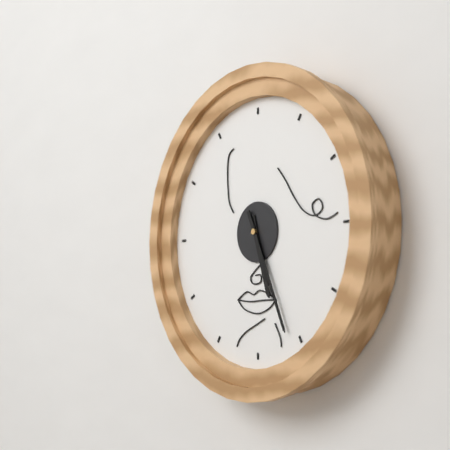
5,26
